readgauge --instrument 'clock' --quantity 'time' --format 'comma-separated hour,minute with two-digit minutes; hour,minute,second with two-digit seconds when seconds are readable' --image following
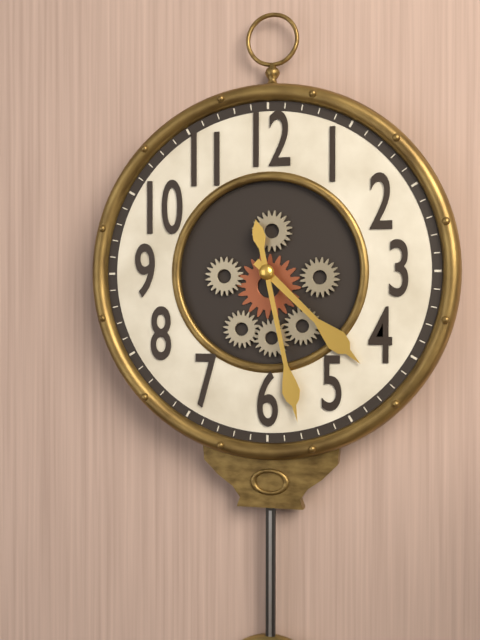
4,28
